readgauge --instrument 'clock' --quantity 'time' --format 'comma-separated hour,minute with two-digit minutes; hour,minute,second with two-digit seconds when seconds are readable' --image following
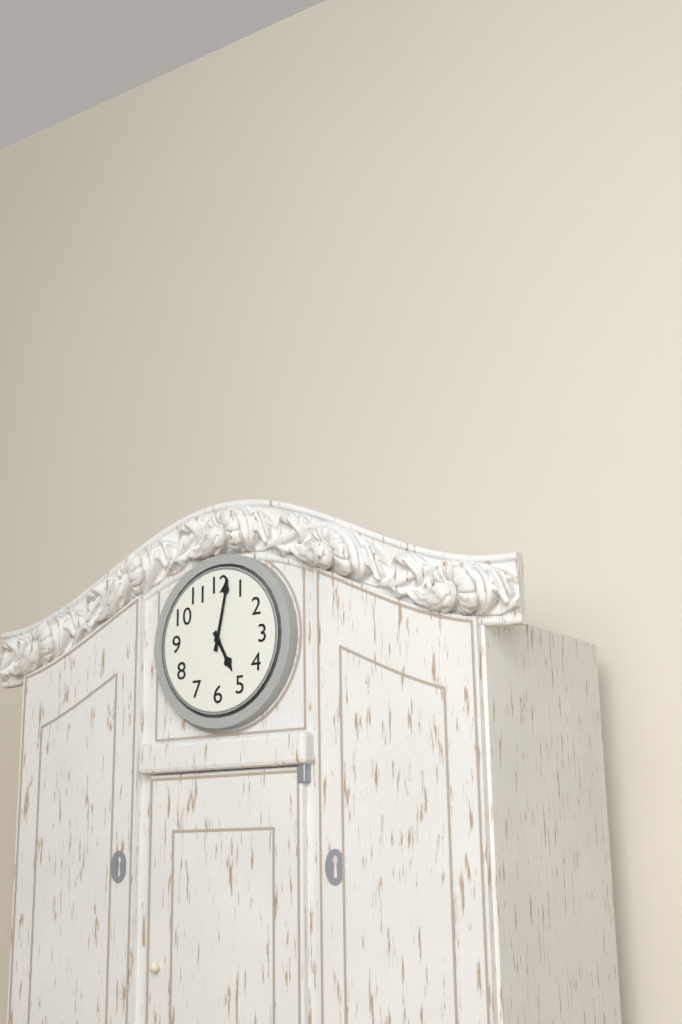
5,02
